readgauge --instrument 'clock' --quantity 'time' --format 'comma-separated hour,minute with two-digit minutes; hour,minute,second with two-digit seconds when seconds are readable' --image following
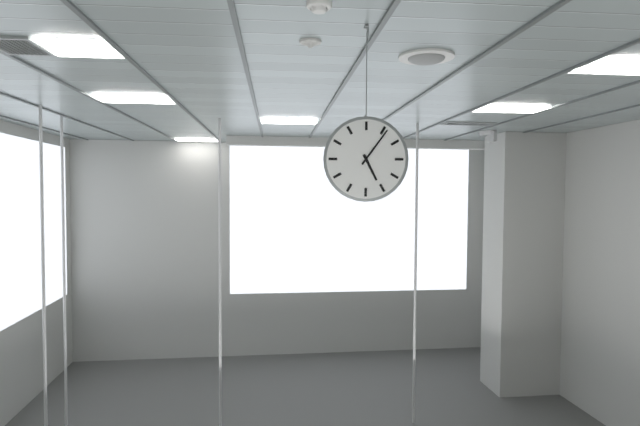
5,06
